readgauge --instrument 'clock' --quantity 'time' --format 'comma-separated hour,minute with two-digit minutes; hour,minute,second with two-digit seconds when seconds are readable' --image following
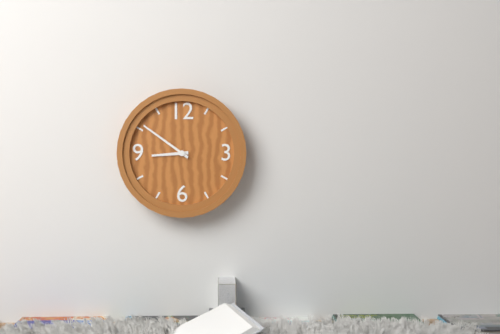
8,51
